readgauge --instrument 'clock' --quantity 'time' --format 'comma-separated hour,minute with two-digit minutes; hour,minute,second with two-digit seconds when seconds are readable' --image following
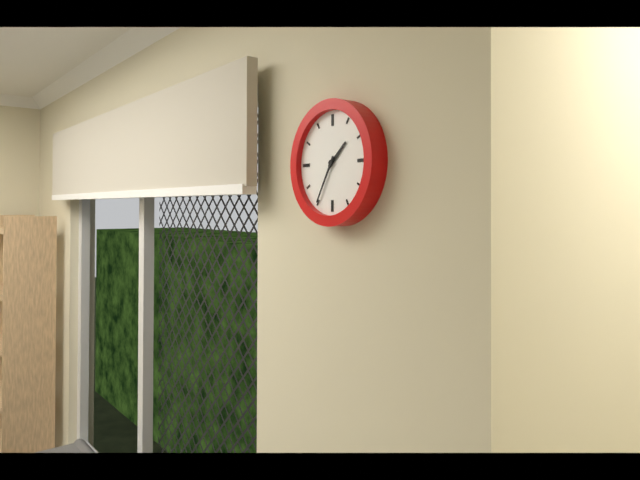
1,35
